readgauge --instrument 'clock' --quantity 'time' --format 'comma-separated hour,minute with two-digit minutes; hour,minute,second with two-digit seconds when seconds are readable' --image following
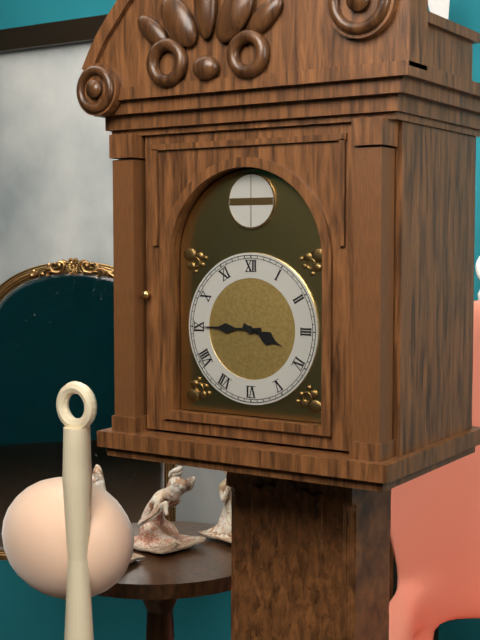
3,45
